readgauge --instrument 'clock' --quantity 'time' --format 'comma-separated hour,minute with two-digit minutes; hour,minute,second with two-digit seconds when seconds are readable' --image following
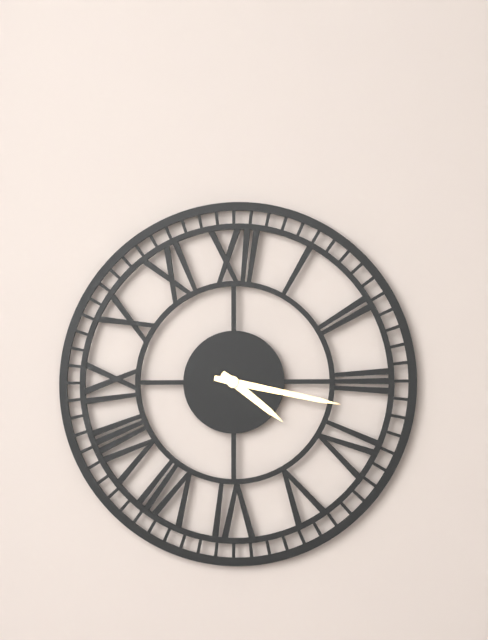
4,17
